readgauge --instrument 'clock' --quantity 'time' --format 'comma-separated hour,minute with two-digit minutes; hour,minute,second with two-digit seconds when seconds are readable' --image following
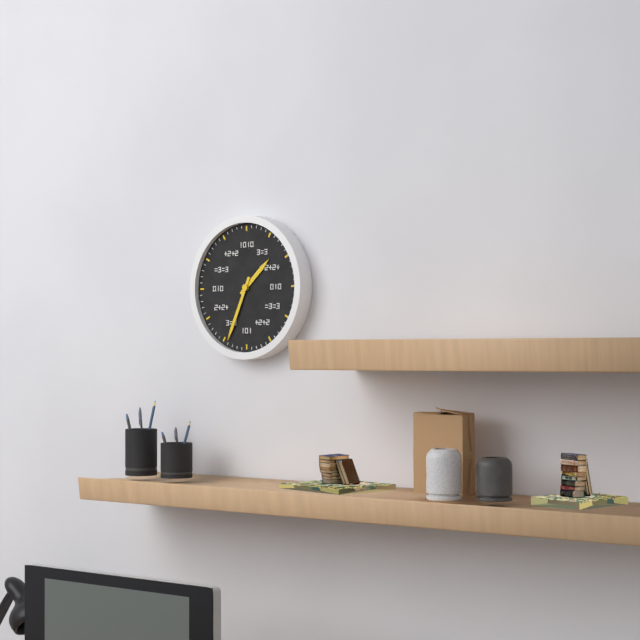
1,34
